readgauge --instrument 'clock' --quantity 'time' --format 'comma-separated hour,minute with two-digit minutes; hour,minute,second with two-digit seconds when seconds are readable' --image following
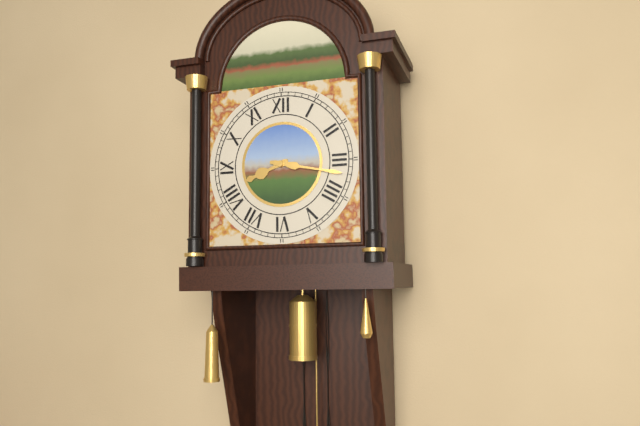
8,17
